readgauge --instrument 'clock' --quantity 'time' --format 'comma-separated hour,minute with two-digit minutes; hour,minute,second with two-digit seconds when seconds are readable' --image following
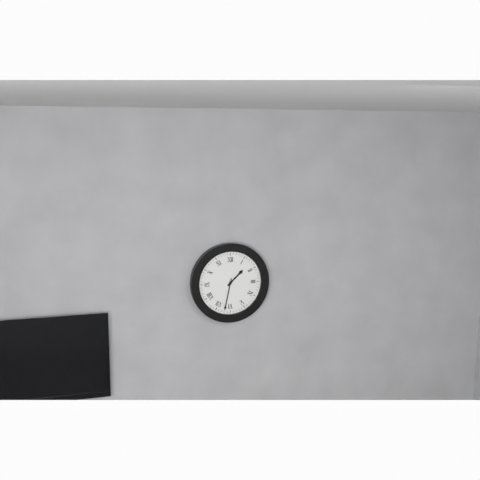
1,32
